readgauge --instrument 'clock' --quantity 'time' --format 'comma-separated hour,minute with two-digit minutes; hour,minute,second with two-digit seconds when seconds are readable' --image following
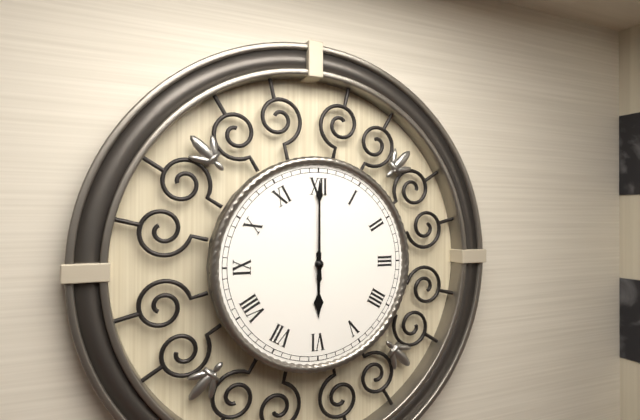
6,00
